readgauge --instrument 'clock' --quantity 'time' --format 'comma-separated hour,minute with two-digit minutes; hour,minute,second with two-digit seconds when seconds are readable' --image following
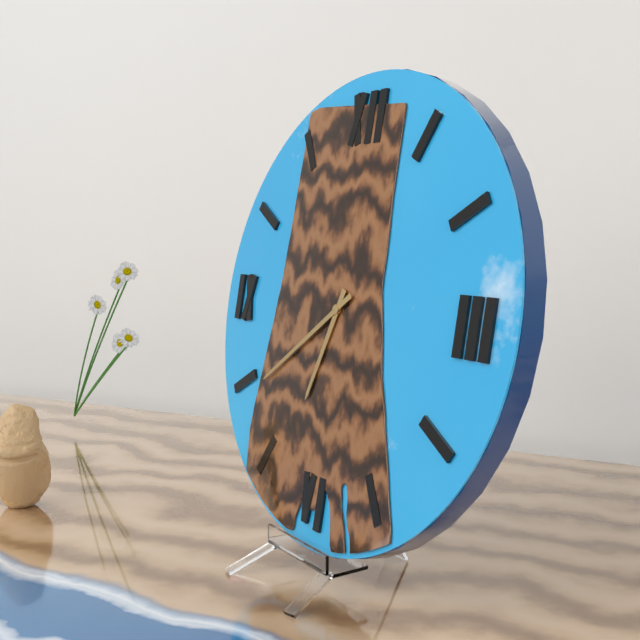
6,39
